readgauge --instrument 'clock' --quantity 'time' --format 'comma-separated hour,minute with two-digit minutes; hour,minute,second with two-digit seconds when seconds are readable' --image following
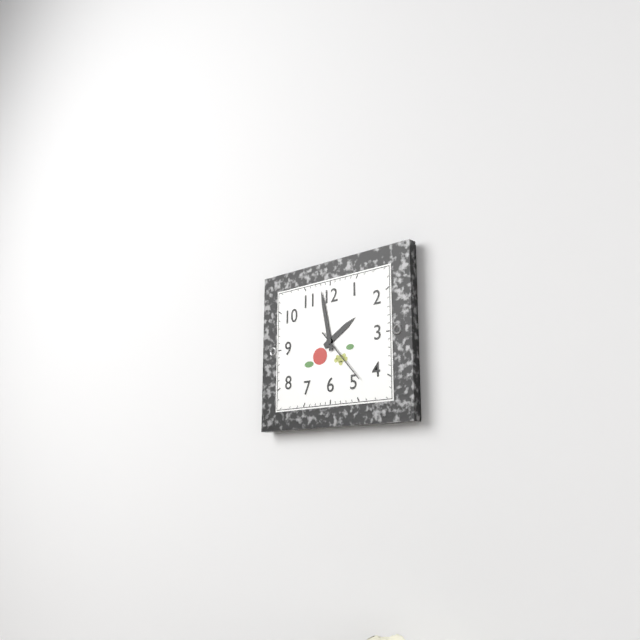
1,58,23
